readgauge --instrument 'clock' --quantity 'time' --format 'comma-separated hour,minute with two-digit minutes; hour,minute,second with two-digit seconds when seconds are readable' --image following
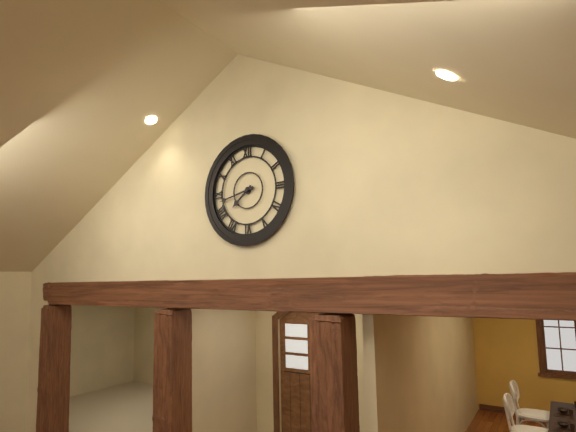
7,43
